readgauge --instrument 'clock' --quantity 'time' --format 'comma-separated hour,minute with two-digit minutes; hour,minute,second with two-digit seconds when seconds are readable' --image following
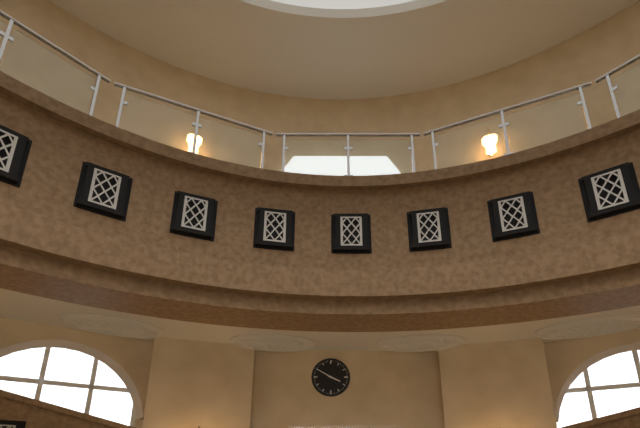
3,50
